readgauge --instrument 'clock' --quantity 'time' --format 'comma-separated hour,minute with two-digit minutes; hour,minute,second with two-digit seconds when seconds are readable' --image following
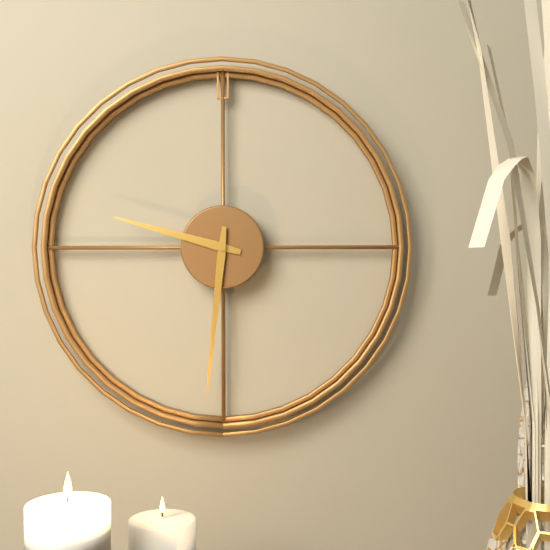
9,31
